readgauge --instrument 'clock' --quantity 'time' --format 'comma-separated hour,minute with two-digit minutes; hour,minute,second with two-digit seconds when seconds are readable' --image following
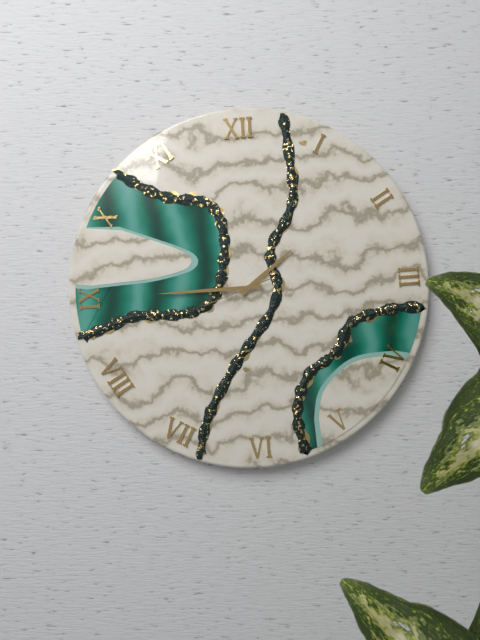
1,45,42
